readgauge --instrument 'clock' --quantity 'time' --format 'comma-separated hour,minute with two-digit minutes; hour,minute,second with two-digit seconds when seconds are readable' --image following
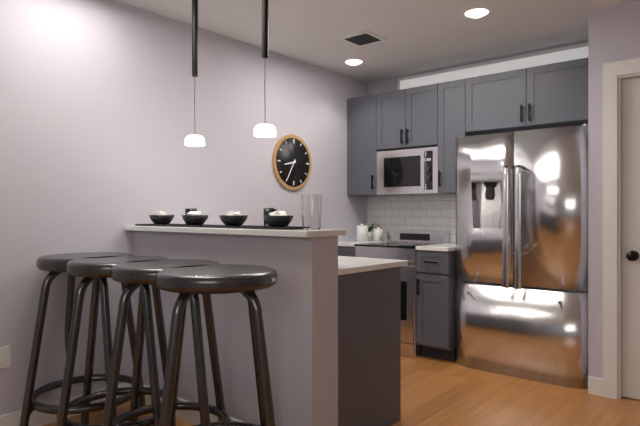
8,35
